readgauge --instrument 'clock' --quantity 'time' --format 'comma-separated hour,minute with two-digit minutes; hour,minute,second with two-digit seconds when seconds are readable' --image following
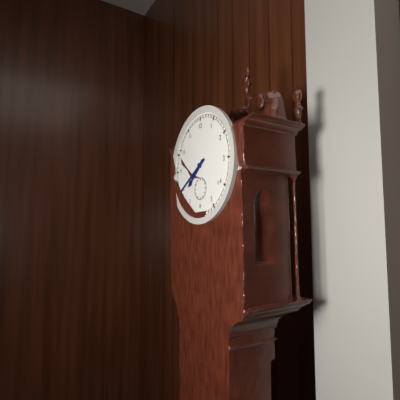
7,40
